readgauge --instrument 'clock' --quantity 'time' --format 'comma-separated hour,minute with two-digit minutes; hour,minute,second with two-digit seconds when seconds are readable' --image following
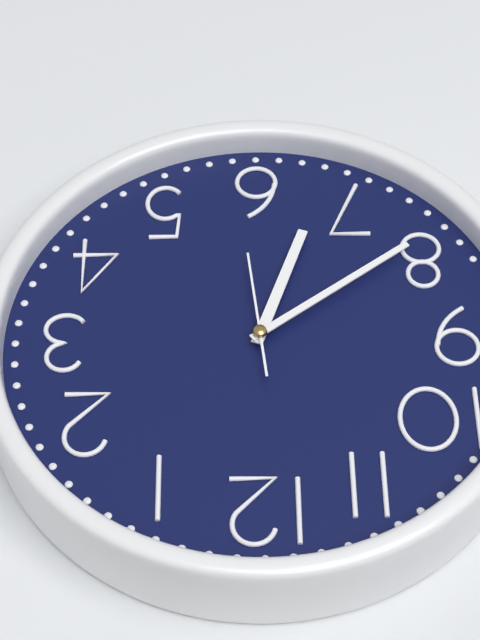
6,39,29
